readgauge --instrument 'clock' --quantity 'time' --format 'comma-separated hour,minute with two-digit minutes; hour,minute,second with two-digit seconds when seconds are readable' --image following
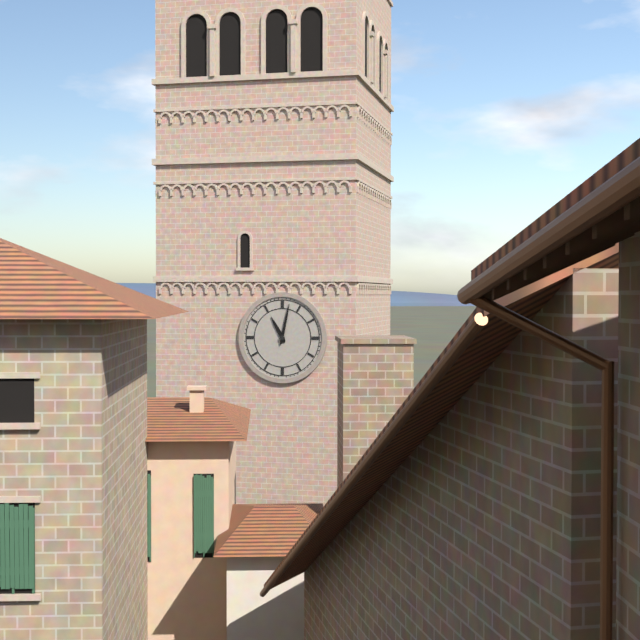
11,02
